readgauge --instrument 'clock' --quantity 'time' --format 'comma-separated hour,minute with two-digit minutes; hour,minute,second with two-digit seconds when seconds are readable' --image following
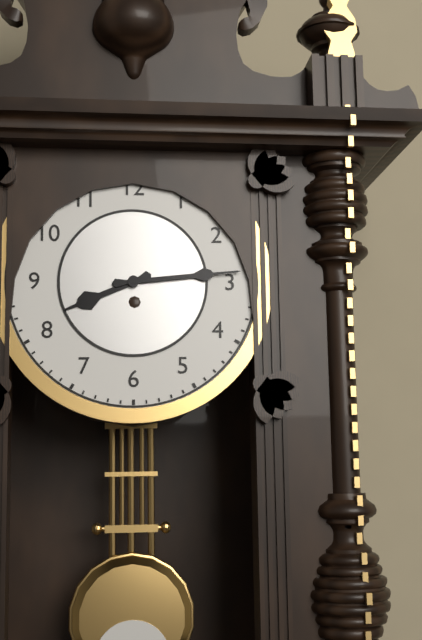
8,14
